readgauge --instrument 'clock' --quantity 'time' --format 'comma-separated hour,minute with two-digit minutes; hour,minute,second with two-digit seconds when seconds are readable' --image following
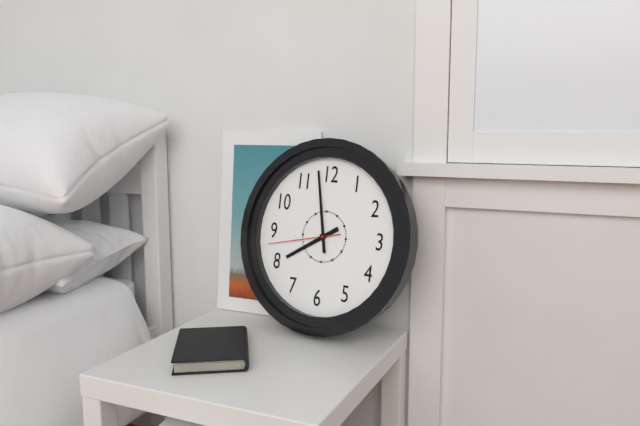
7,58,43
